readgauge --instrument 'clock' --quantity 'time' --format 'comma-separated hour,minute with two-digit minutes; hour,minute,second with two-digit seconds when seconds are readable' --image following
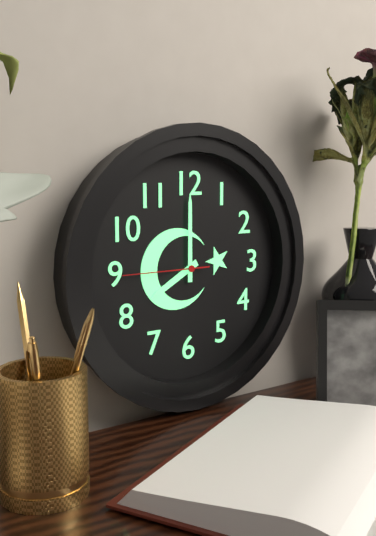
8,00,45
